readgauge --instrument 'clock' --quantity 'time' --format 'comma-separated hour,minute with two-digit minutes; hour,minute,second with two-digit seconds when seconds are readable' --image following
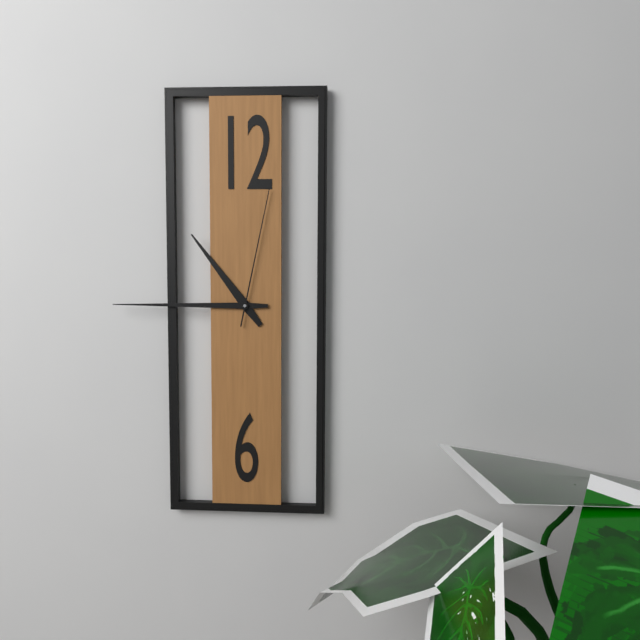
10,45,02
